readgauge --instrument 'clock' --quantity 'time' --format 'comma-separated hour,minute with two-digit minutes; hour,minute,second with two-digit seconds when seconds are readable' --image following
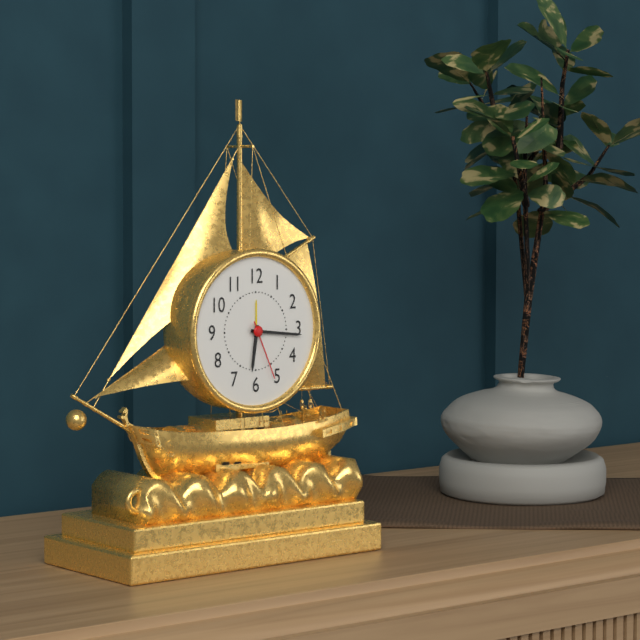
6,16,26
